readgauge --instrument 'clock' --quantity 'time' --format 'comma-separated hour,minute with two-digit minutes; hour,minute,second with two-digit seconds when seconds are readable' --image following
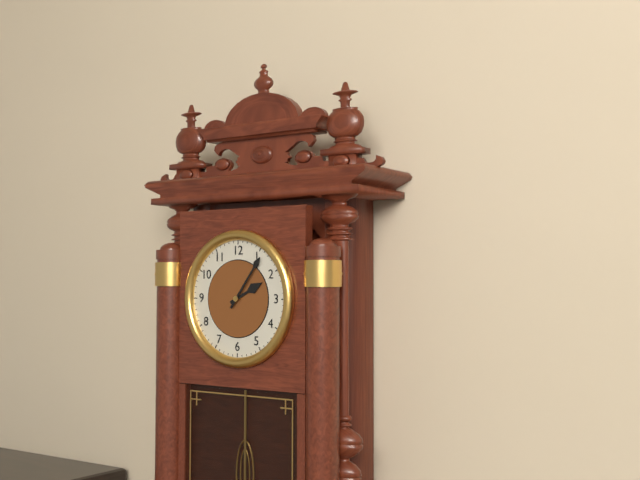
2,06
